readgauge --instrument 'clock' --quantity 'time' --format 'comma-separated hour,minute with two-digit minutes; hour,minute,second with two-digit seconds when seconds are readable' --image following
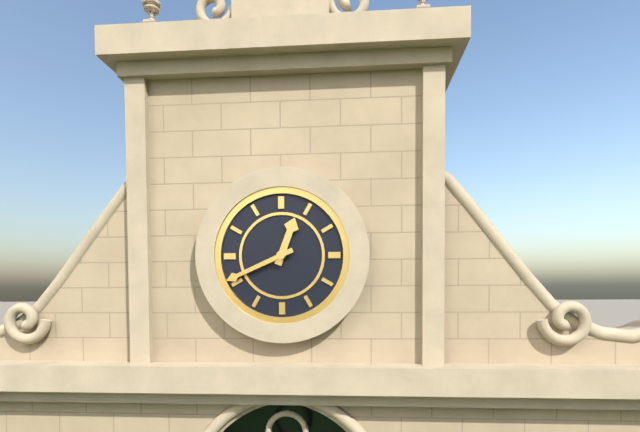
12,41
